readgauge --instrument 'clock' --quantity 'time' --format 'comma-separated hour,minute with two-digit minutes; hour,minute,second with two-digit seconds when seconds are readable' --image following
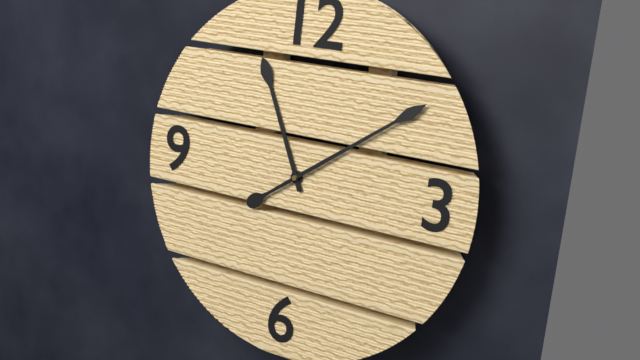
11,09
